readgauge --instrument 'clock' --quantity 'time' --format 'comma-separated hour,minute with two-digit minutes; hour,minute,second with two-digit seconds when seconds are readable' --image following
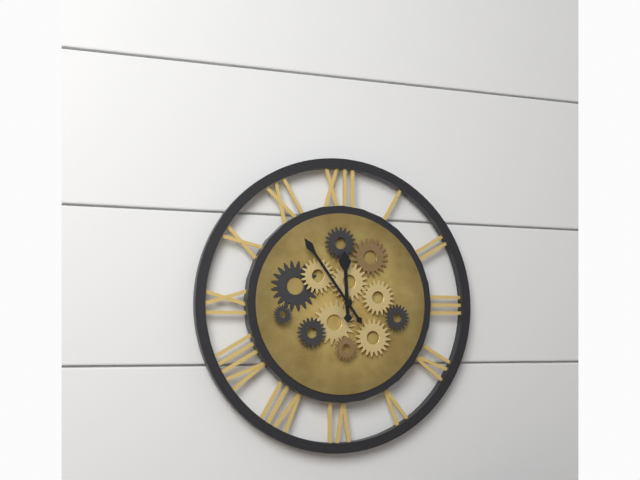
11,54
